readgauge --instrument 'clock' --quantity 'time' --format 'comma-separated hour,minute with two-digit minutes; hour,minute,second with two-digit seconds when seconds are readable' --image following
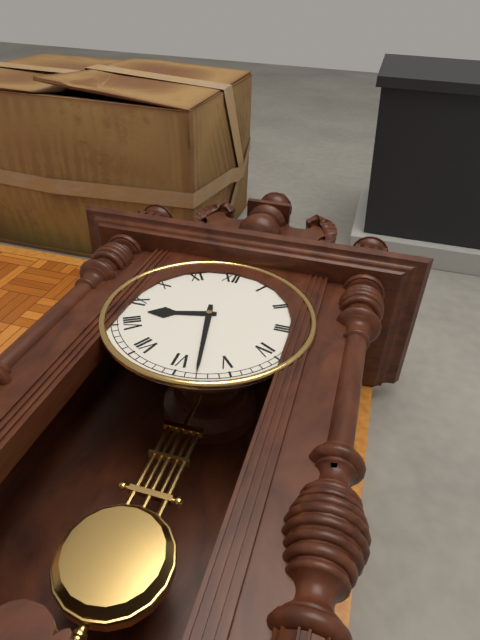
8,28
